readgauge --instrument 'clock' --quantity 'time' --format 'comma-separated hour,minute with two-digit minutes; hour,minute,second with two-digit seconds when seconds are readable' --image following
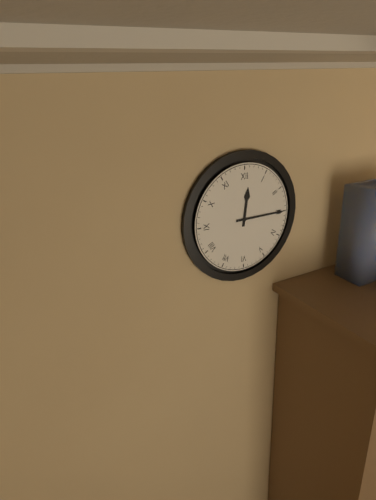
12,15
